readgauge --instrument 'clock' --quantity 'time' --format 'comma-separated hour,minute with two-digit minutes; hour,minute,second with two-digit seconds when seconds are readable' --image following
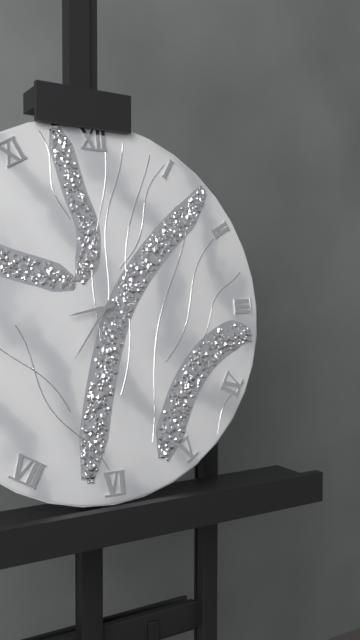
8,36
